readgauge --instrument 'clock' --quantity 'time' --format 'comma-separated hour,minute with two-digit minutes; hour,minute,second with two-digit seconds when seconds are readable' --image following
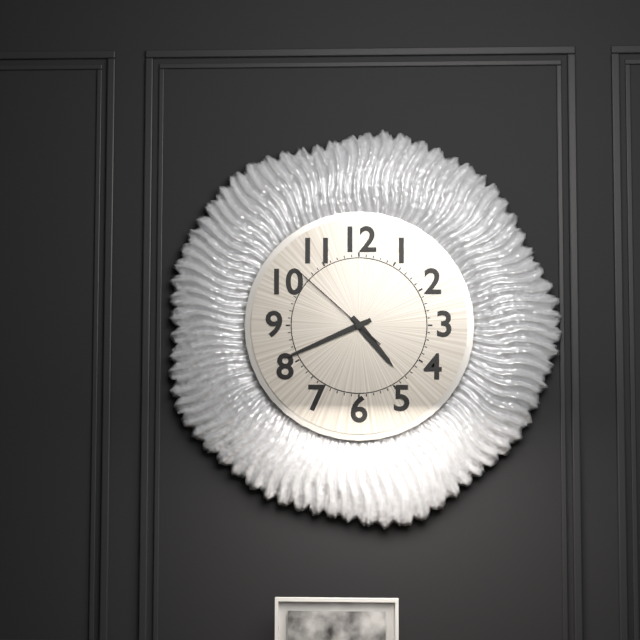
4,41,52
